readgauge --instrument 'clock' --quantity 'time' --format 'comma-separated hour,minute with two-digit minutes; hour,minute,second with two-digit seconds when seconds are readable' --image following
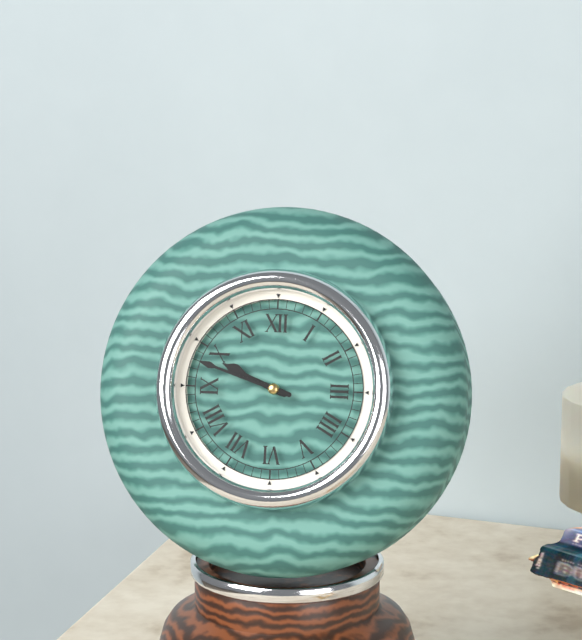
9,48
